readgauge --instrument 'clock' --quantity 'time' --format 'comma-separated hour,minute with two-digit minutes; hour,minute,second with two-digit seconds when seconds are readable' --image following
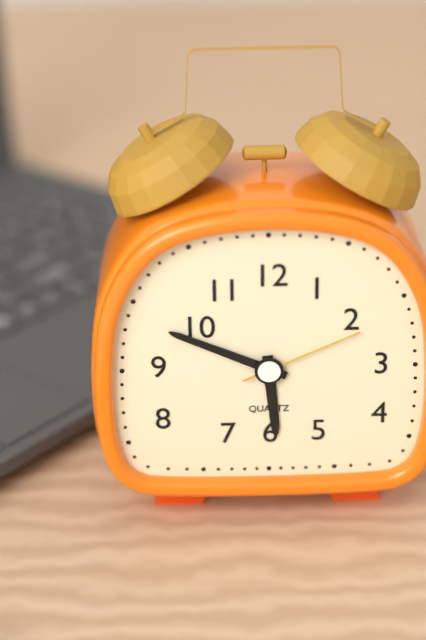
5,49,11
